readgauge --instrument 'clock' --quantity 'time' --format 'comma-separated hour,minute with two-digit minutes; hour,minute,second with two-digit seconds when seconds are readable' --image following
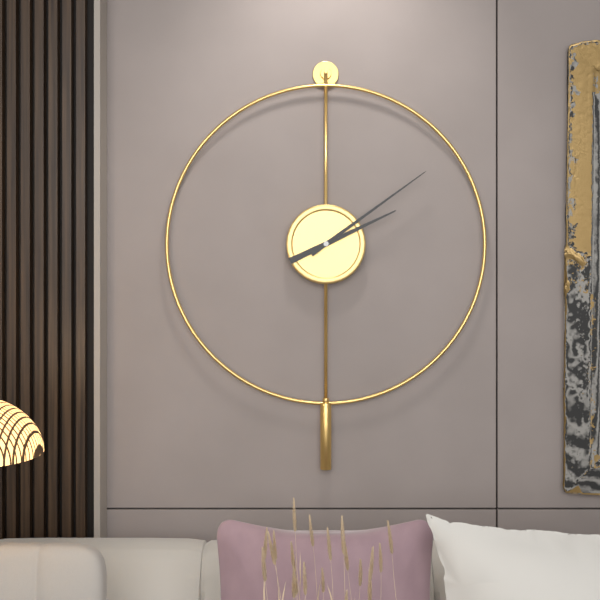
2,09
